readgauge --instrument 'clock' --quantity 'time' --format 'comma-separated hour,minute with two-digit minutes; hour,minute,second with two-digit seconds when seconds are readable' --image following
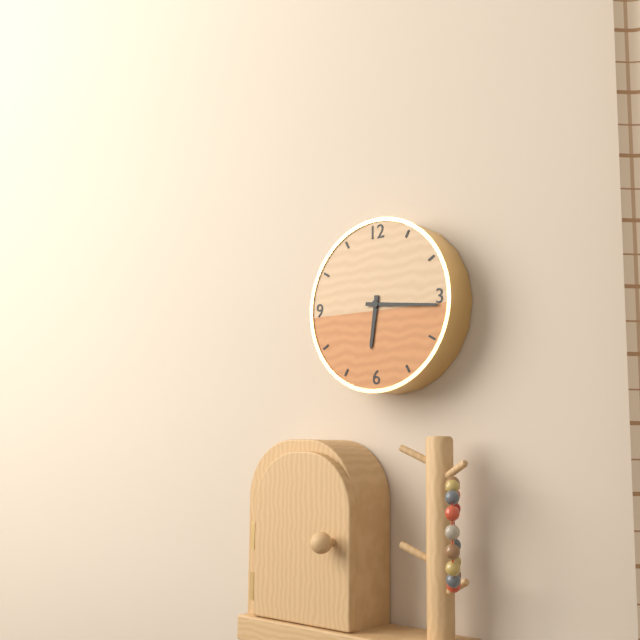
6,16
